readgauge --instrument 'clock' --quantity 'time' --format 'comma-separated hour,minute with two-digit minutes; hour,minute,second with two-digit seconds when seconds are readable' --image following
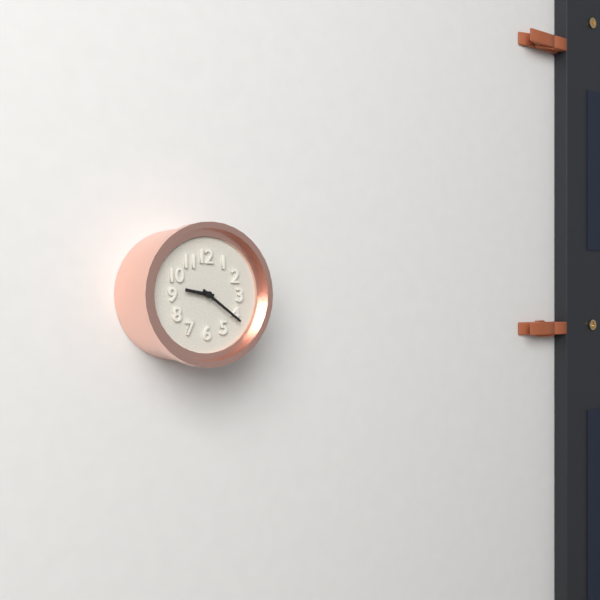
9,21
